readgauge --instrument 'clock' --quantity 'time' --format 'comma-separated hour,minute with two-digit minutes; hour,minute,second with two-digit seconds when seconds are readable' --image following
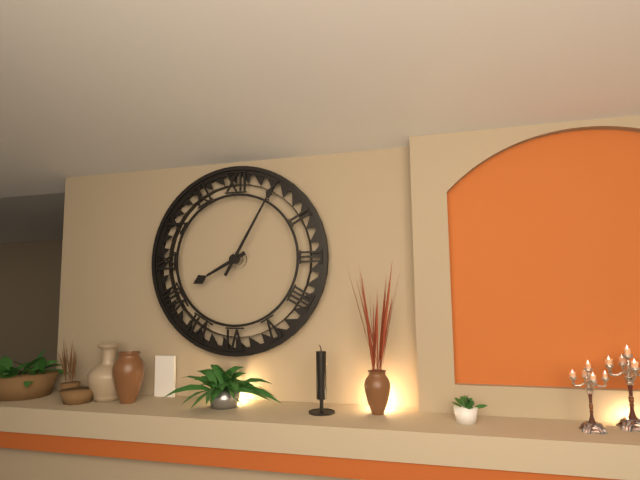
8,05
